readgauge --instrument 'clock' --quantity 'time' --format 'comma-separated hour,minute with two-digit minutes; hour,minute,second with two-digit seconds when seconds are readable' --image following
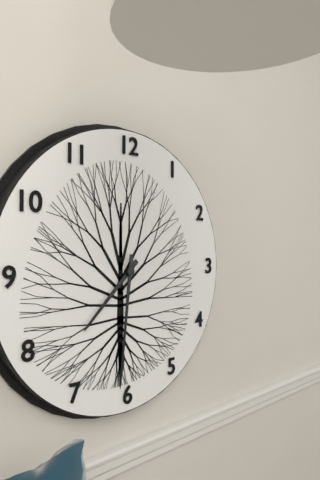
7,31
